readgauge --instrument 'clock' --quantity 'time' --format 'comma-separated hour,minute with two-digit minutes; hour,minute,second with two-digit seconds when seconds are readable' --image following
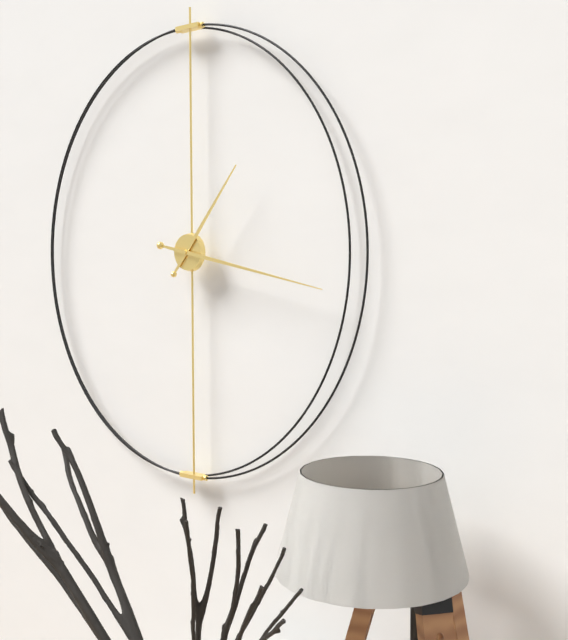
1,17
